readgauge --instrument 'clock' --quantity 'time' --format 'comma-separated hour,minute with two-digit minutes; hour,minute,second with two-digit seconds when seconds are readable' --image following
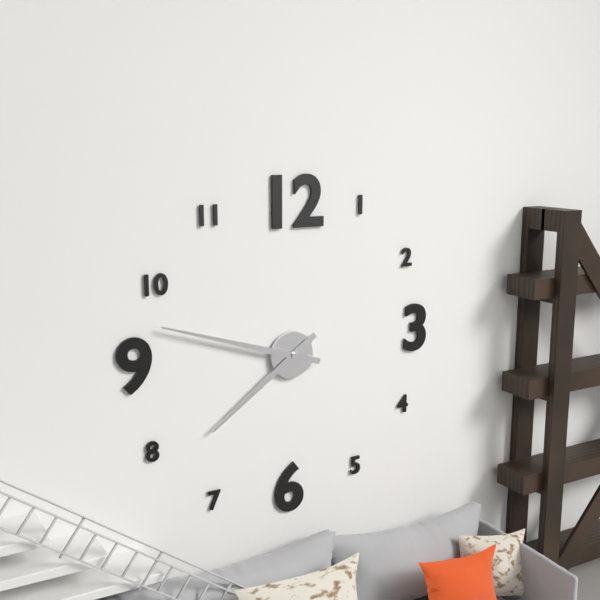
7,48
